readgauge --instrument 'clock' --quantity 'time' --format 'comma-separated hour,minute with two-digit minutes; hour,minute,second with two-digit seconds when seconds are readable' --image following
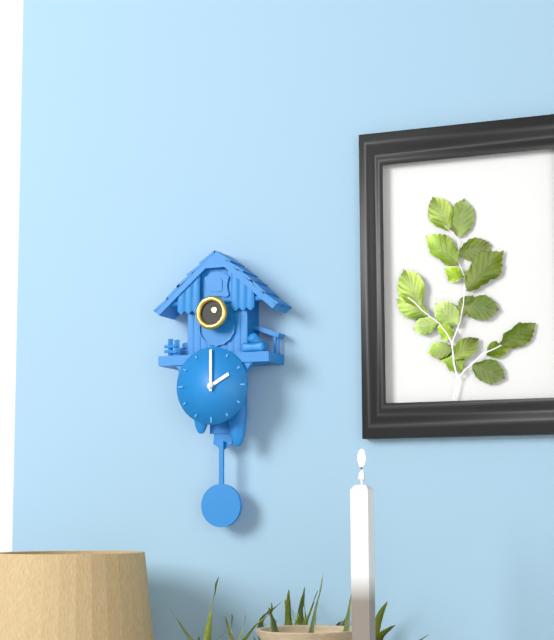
2,00
